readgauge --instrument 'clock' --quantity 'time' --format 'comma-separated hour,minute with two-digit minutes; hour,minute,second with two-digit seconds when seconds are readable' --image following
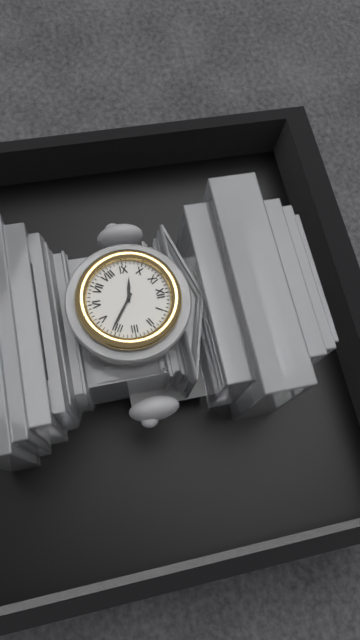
9,21
